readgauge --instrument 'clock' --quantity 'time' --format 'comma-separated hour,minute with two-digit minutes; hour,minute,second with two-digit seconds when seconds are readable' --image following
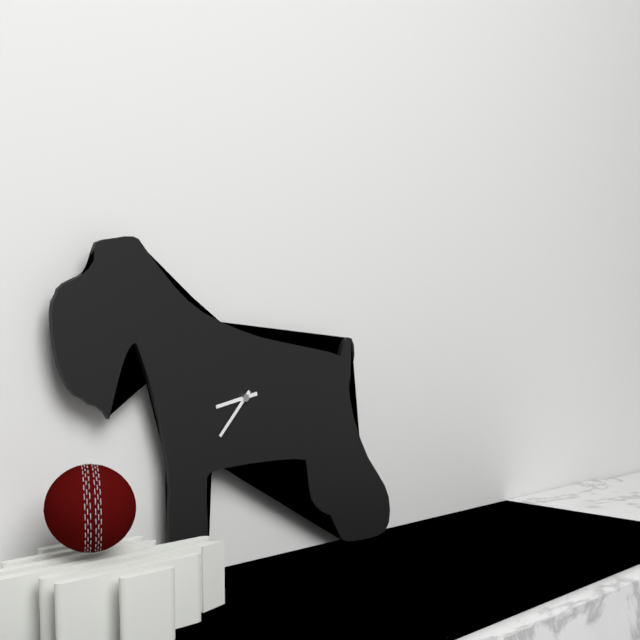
8,37
